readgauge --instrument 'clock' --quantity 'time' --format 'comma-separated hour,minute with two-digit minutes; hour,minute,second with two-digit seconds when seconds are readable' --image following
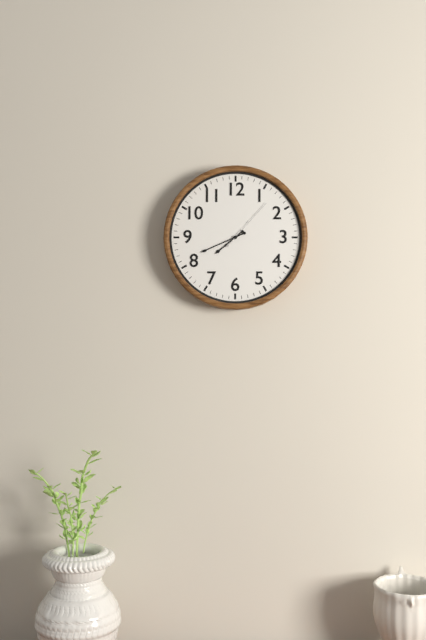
7,41,07
